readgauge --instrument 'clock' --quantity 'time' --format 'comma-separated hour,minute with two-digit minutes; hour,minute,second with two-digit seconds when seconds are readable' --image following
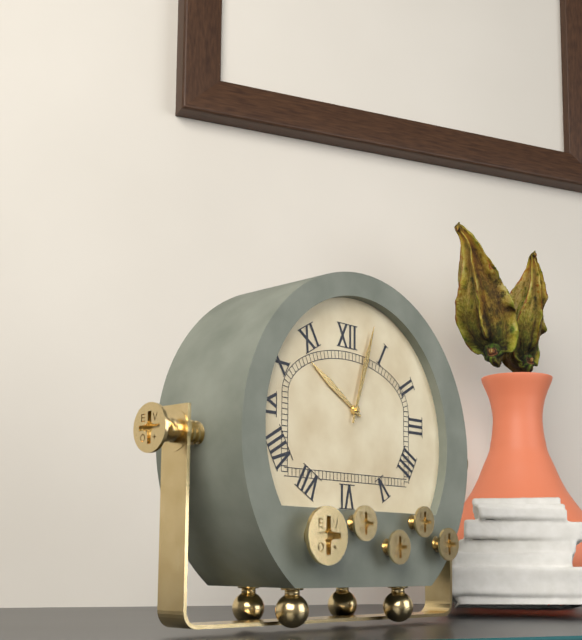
10,03
